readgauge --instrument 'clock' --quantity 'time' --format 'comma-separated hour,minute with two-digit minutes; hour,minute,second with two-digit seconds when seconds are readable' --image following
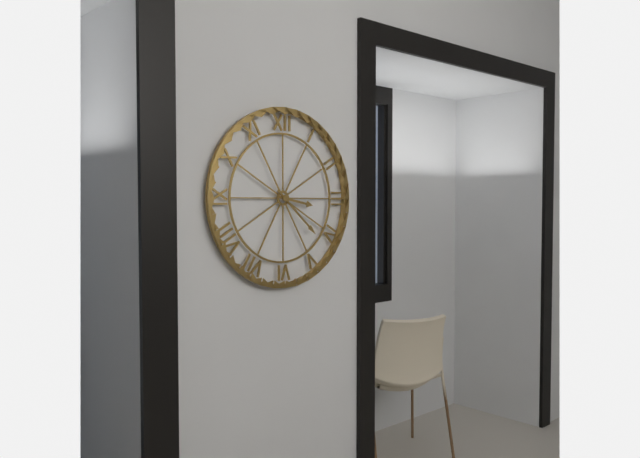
3,22
